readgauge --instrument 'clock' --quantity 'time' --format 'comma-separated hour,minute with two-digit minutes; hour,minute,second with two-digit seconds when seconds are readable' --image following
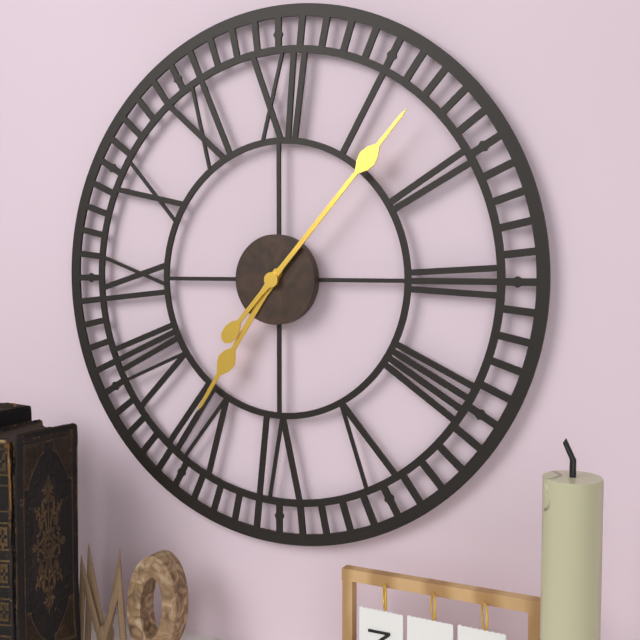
7,07
